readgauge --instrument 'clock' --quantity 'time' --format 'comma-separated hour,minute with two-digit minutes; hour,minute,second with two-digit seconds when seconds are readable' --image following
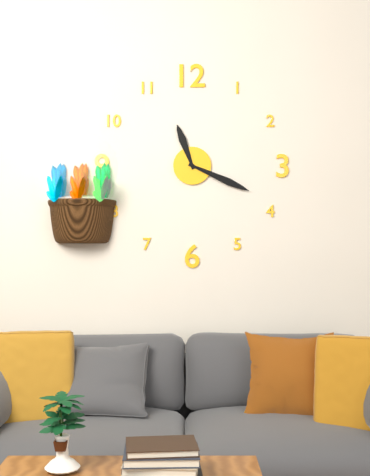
11,19
